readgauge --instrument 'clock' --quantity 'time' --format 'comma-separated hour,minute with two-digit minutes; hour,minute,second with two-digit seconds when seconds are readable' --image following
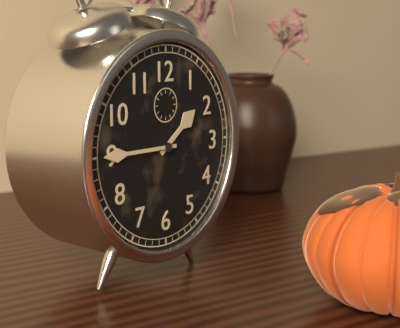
1,45
